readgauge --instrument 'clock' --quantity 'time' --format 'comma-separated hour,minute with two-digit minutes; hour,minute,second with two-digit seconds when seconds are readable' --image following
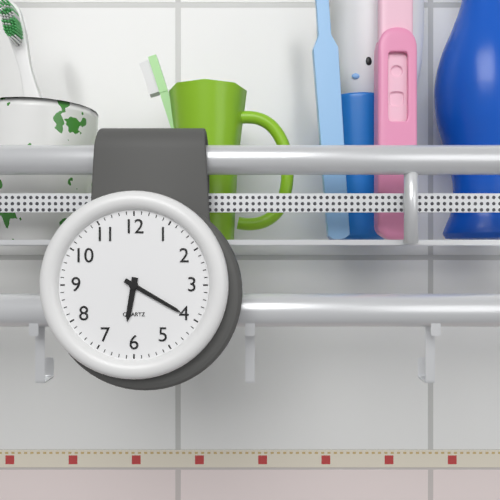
6,20
